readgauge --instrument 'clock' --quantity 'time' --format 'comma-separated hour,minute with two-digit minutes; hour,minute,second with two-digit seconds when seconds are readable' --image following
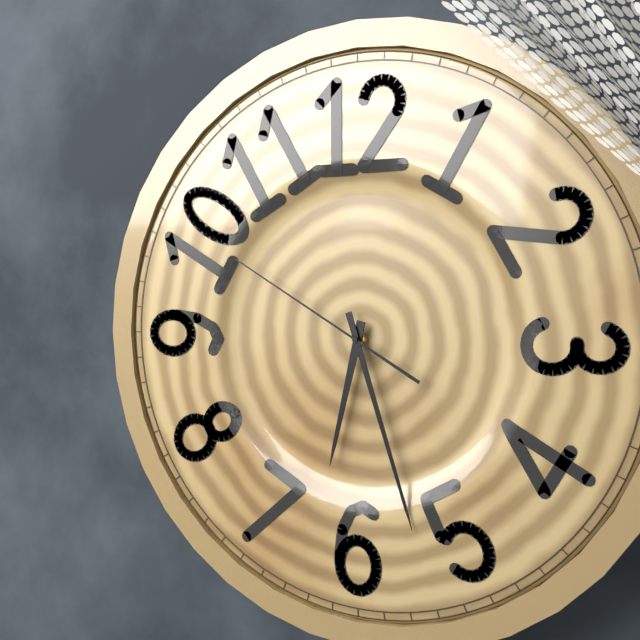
6,27,50
